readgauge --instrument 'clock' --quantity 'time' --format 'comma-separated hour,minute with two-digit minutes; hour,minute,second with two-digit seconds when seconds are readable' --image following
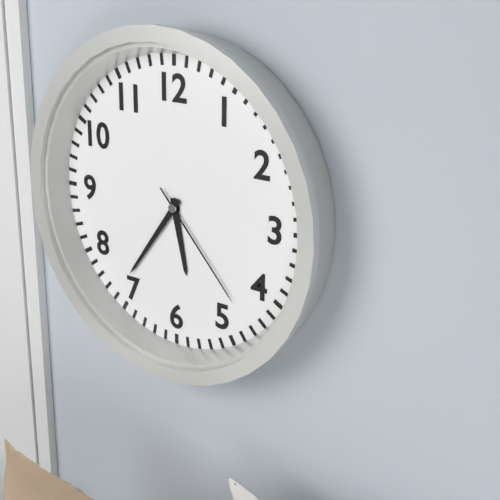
5,36,23
